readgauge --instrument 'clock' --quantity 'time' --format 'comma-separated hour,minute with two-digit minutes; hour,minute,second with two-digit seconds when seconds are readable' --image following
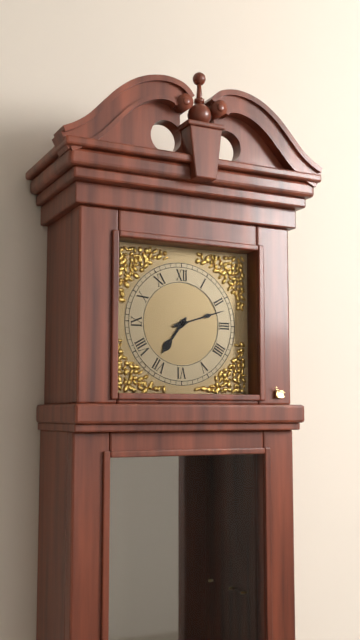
7,12
